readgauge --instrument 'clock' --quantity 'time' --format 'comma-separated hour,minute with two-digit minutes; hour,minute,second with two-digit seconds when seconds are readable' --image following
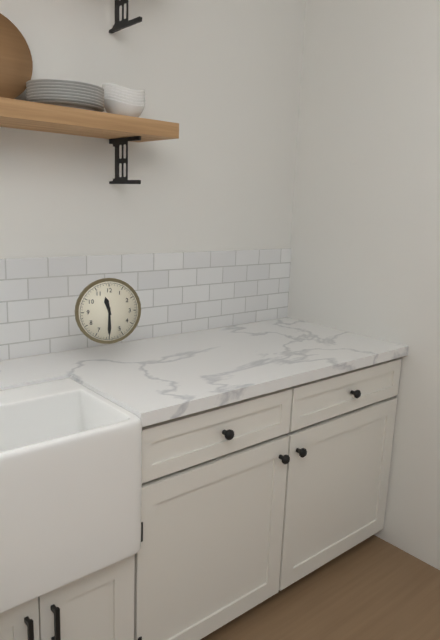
11,30
